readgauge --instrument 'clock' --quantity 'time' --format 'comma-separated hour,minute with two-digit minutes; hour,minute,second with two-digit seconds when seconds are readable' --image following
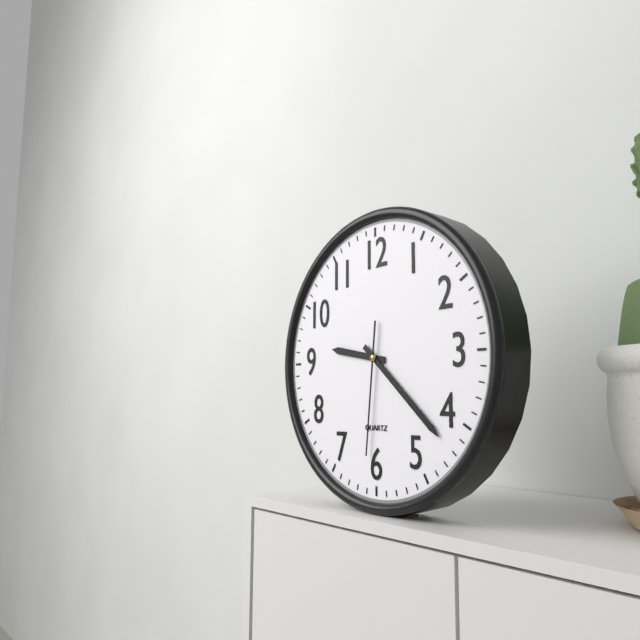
9,22,31
